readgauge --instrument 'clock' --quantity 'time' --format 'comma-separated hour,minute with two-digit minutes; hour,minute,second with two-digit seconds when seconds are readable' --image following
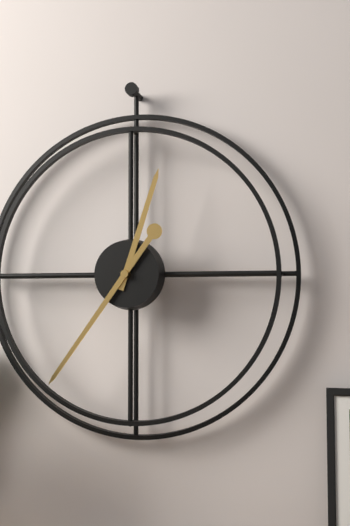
12,36
